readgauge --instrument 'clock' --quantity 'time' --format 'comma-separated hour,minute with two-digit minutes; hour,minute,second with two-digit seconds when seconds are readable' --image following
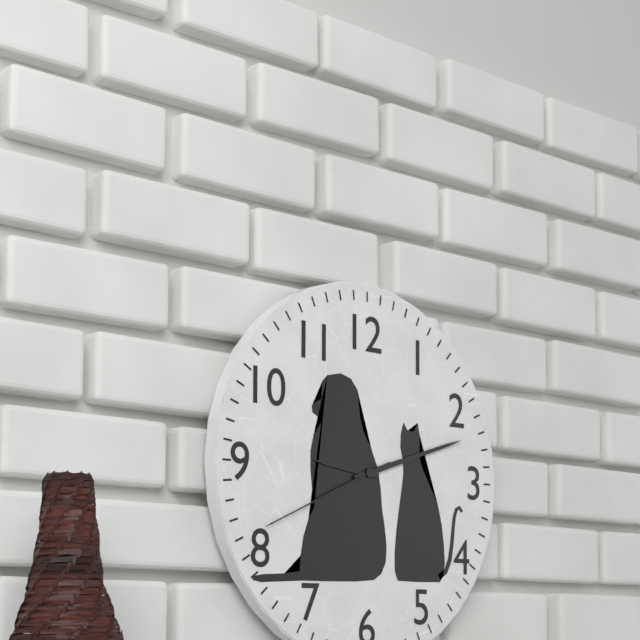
9,12,41
